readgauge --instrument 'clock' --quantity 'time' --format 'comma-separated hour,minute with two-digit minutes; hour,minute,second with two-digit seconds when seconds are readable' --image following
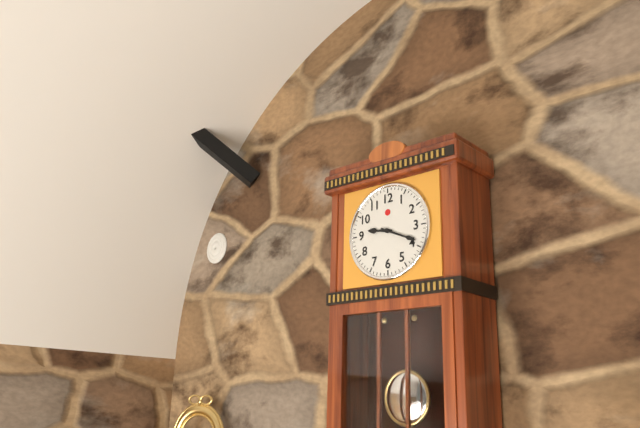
9,19
